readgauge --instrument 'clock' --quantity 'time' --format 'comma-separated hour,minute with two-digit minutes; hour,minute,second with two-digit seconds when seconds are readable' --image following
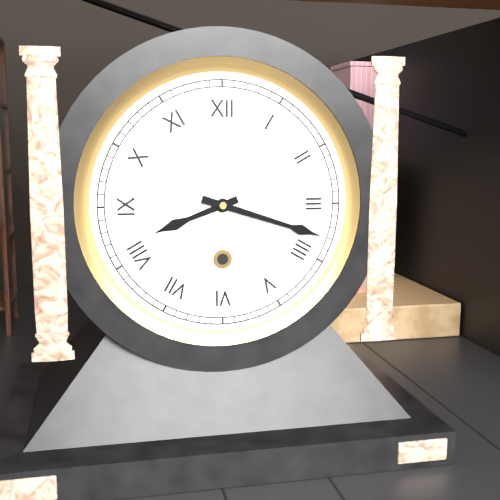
8,18
